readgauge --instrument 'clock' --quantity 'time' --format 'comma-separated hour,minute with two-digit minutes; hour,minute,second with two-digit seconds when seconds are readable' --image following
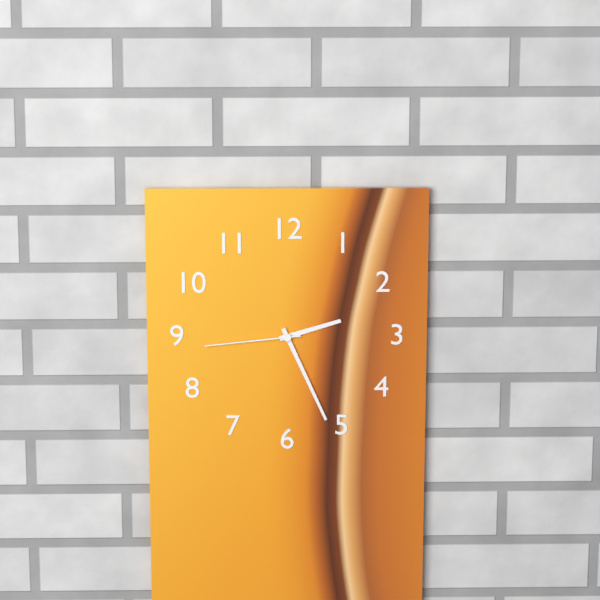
2,26,44
